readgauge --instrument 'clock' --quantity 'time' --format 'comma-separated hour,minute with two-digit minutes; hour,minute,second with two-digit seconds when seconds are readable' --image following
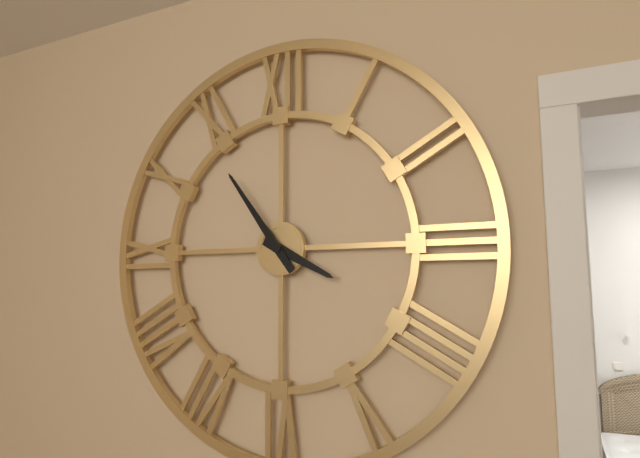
3,54
